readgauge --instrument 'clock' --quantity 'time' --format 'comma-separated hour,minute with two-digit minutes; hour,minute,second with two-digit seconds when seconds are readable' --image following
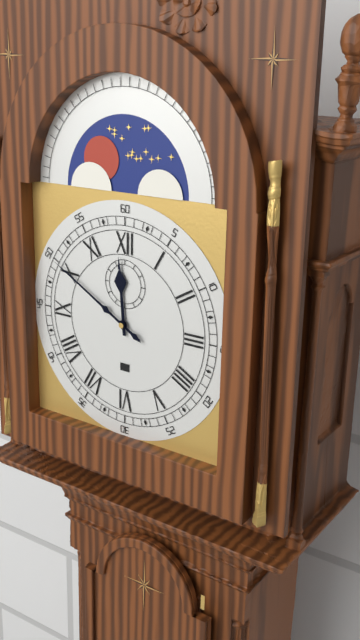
11,50
